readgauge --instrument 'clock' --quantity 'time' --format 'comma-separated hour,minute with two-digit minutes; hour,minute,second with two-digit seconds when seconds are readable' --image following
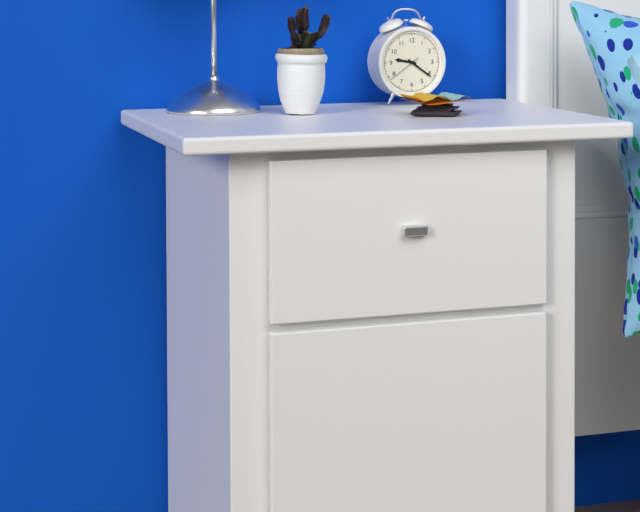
9,21
